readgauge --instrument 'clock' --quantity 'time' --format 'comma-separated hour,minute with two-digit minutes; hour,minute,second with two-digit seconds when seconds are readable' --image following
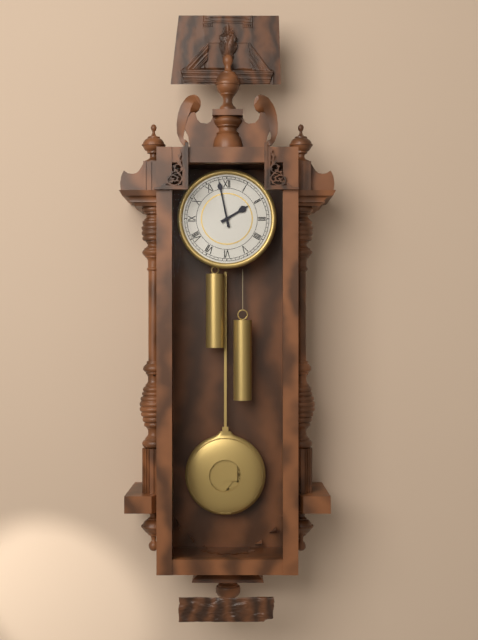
1,58
